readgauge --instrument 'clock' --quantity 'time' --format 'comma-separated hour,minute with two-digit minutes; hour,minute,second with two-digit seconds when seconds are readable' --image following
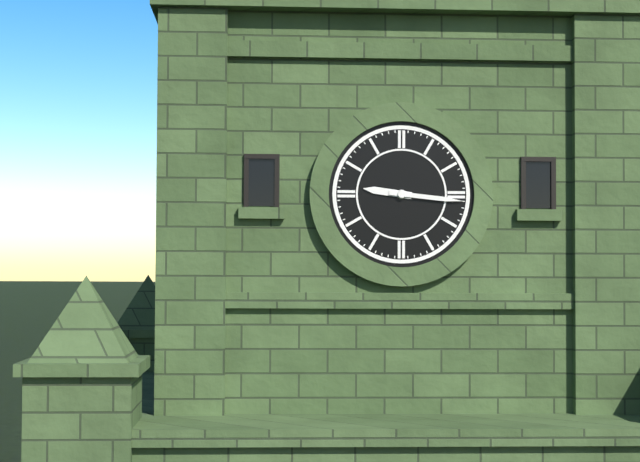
9,16
